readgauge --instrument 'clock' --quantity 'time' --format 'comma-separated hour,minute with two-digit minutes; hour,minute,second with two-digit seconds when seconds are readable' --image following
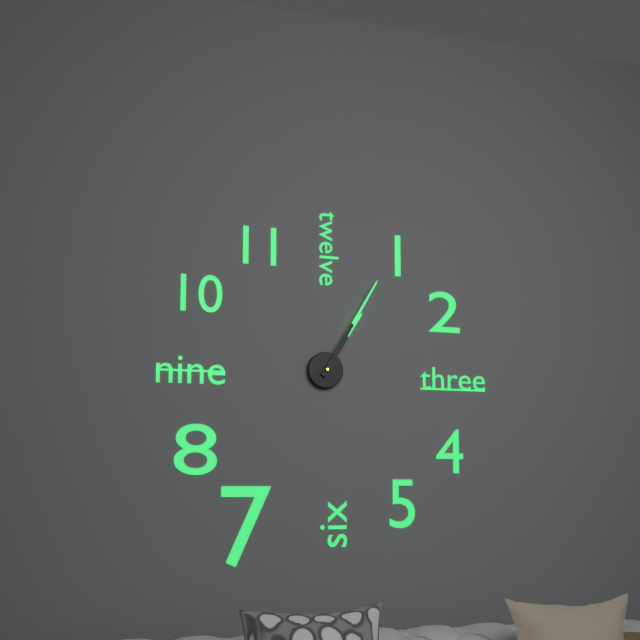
1,05
